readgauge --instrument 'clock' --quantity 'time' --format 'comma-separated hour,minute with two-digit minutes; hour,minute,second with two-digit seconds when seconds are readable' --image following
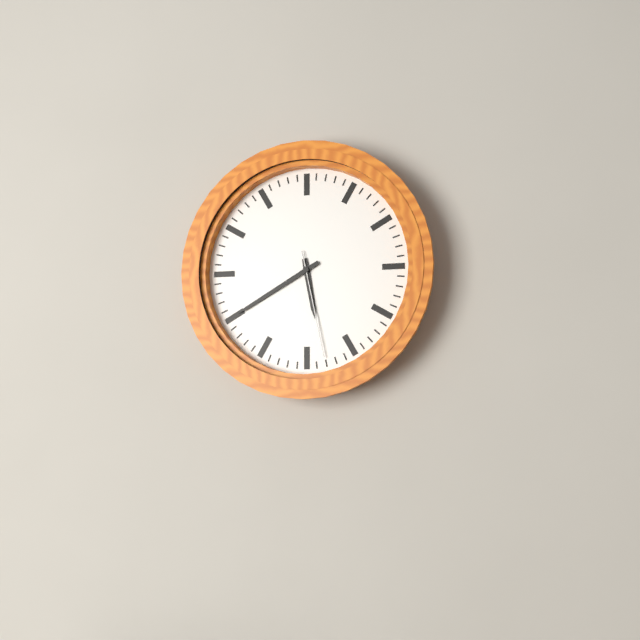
5,40,28
